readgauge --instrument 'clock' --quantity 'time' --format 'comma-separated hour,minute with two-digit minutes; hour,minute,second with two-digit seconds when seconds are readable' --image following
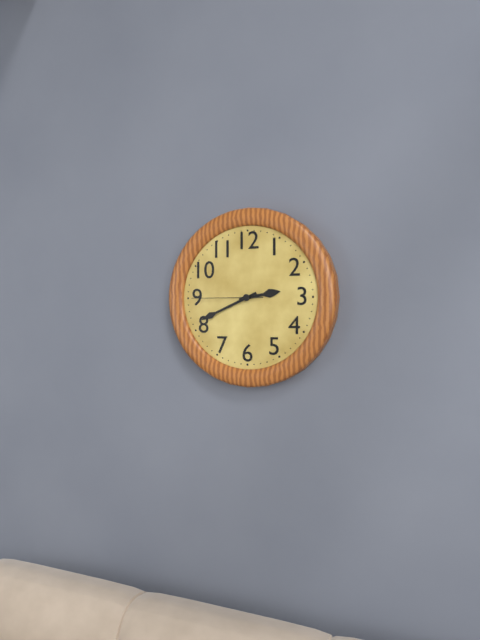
2,41,45
